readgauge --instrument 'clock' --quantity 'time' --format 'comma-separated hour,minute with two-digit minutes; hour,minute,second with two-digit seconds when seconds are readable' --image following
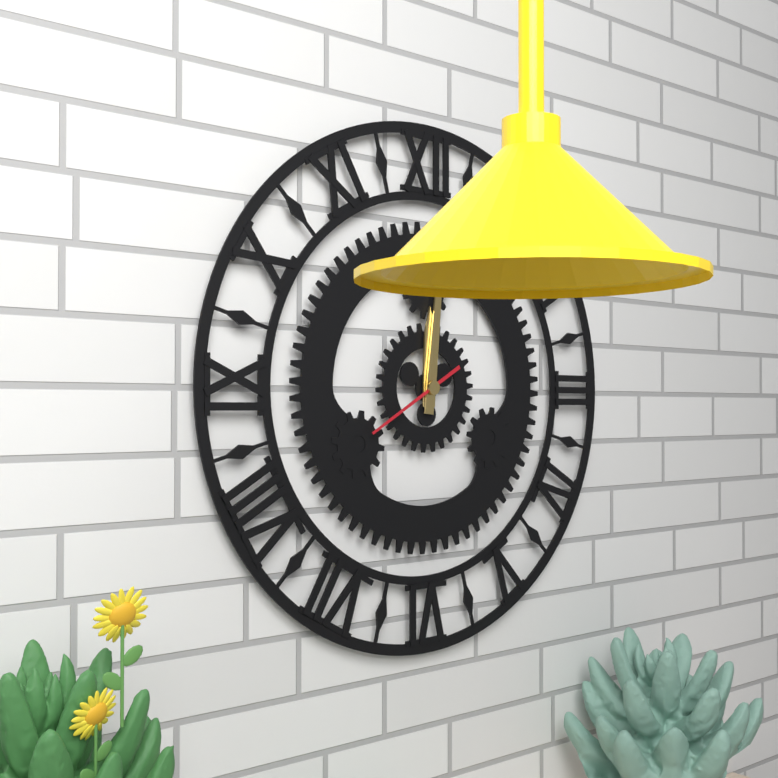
12,01,40
